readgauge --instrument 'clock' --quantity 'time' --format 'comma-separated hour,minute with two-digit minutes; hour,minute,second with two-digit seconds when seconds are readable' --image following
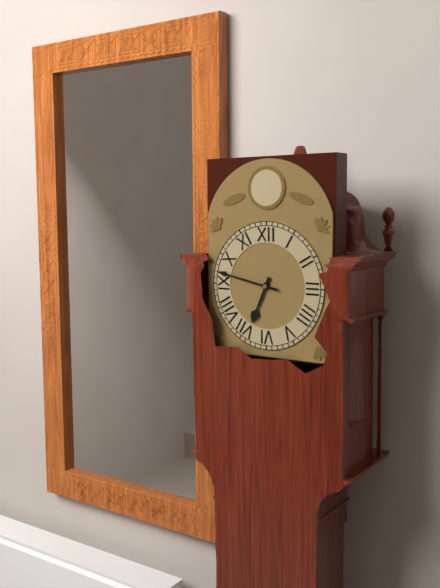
6,47
